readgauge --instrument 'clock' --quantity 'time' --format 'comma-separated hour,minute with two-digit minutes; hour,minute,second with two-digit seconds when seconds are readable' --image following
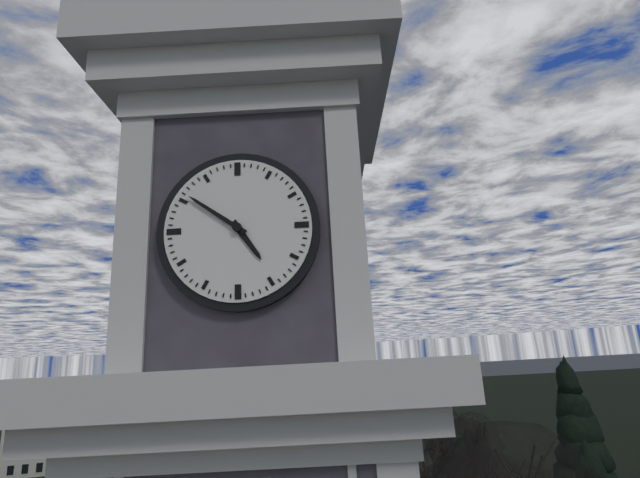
4,51
